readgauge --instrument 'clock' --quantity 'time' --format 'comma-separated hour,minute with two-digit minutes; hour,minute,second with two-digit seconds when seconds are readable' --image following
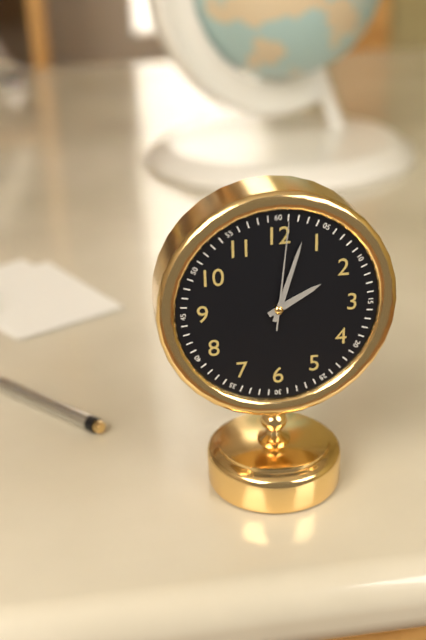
2,03,01
